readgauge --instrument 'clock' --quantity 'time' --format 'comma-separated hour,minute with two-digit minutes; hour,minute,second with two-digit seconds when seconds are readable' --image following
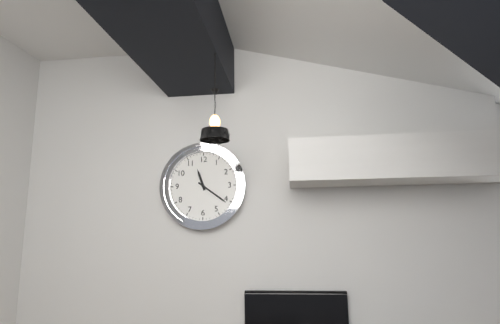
11,21
